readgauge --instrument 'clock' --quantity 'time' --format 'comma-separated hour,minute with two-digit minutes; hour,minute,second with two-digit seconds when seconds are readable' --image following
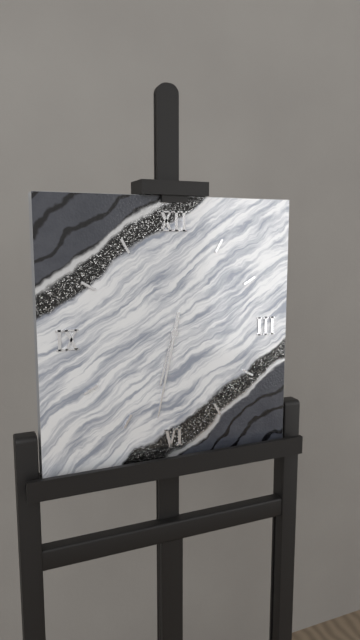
6,32
